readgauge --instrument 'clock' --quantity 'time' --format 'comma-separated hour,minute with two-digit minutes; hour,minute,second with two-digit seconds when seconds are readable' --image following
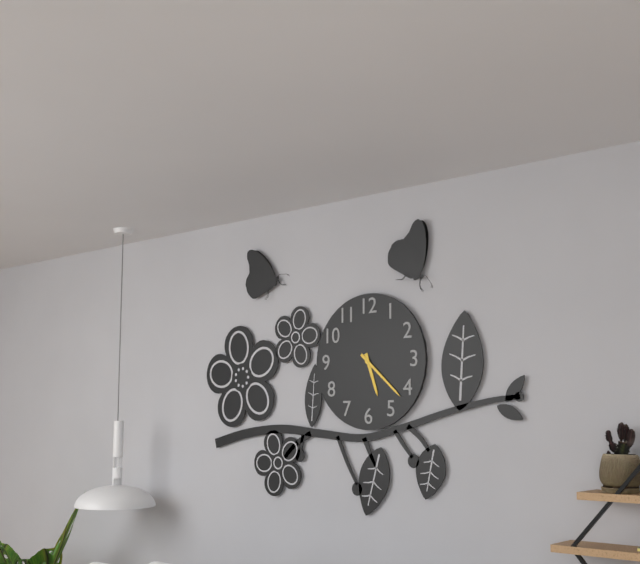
5,22
